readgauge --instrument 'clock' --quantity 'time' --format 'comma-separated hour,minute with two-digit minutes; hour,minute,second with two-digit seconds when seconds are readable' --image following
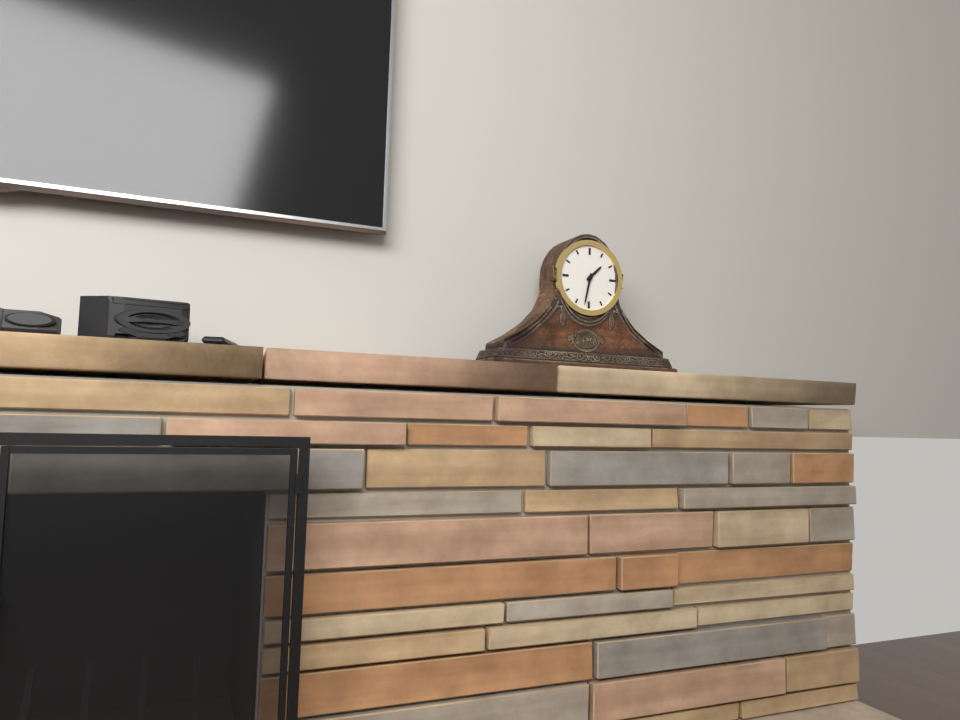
1,32
